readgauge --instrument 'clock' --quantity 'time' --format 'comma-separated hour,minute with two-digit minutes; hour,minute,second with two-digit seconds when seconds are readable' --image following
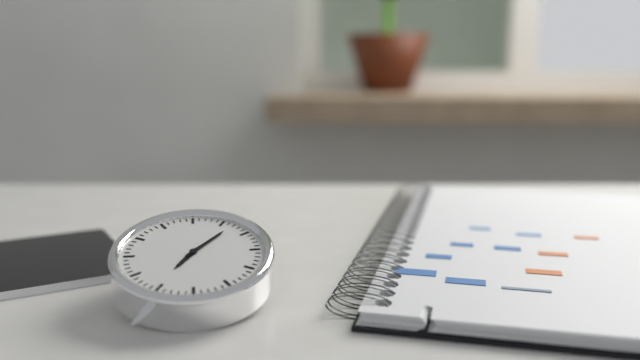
7,07
